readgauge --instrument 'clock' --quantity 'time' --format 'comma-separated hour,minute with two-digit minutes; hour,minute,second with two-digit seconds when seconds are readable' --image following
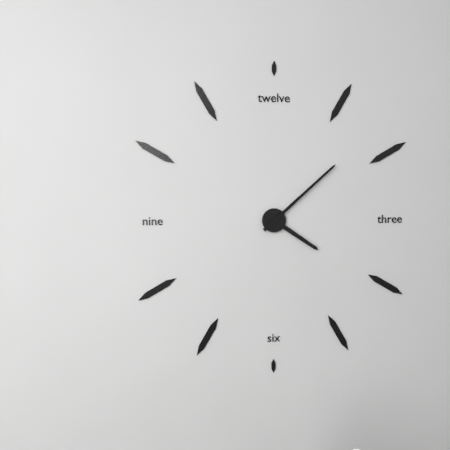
4,08
